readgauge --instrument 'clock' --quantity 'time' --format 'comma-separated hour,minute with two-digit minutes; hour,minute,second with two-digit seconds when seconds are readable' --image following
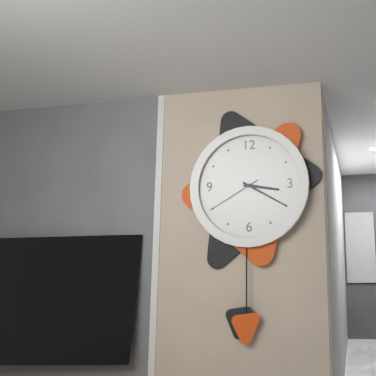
3,20,40
